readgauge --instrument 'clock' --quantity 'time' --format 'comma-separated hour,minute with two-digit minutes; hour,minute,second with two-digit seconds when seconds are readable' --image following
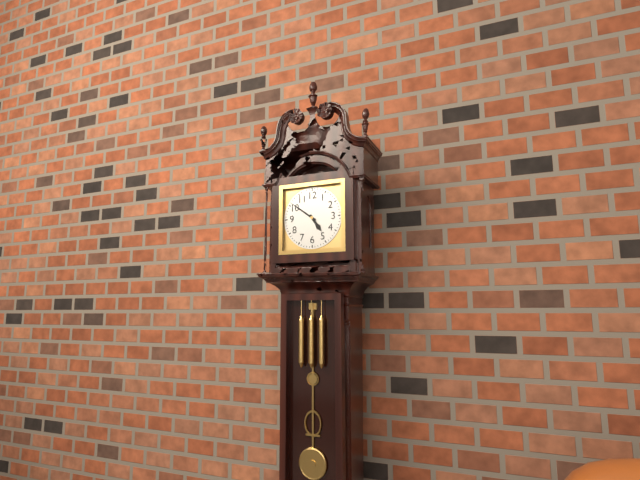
4,51
